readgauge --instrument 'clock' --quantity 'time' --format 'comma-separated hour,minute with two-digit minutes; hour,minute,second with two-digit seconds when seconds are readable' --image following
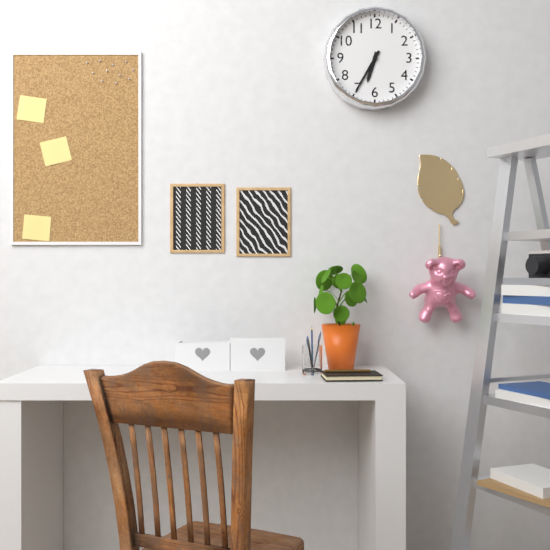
6,35
